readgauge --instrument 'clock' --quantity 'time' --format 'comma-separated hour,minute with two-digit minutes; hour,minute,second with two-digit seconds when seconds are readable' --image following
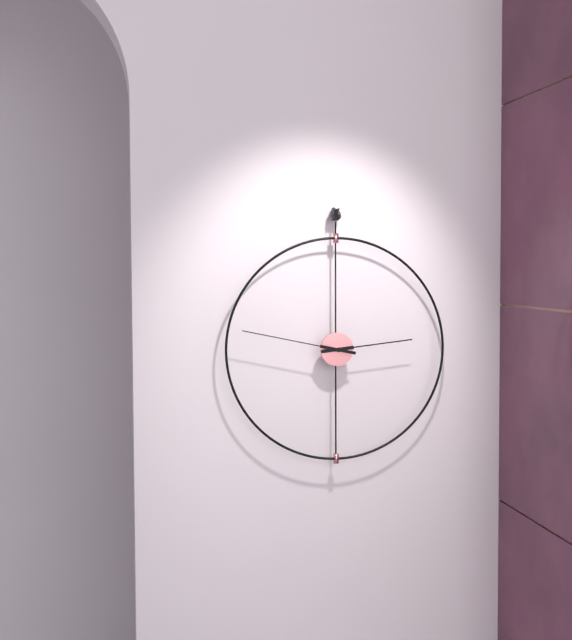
2,47
